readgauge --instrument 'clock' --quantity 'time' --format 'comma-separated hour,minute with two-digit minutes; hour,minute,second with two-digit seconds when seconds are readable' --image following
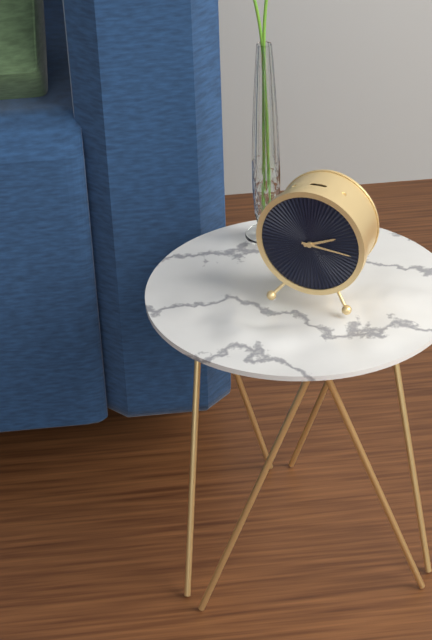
2,16
